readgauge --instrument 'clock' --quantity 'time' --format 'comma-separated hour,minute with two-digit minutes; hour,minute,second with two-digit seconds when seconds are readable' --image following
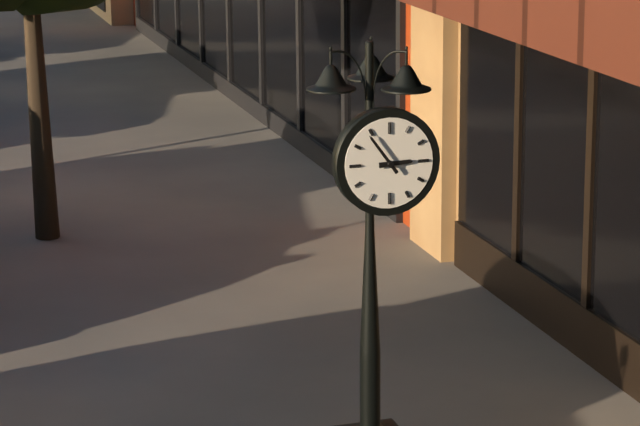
2,54
